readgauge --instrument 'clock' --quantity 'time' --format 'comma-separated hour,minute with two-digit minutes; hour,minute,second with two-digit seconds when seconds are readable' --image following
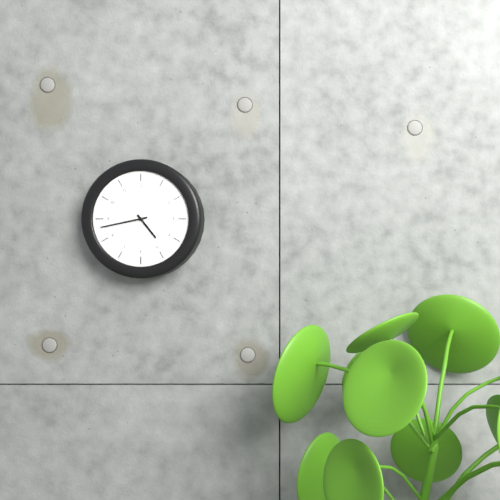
4,43
